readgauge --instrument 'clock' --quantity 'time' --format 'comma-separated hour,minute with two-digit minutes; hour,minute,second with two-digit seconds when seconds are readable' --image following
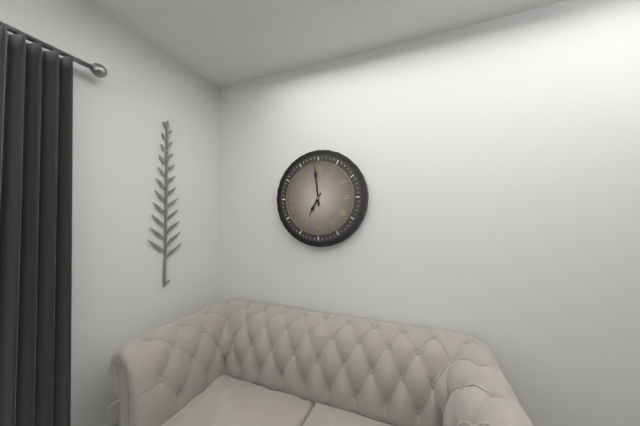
6,59
